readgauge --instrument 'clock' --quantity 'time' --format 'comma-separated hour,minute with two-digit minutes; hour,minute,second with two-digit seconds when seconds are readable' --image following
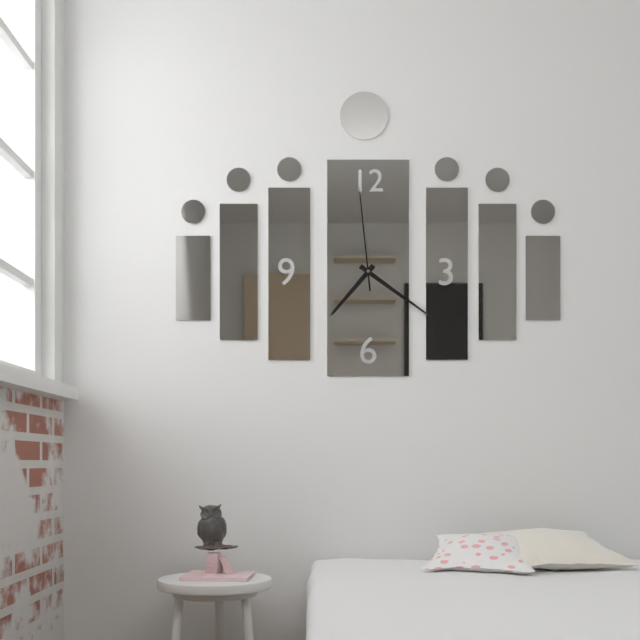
7,21,59
